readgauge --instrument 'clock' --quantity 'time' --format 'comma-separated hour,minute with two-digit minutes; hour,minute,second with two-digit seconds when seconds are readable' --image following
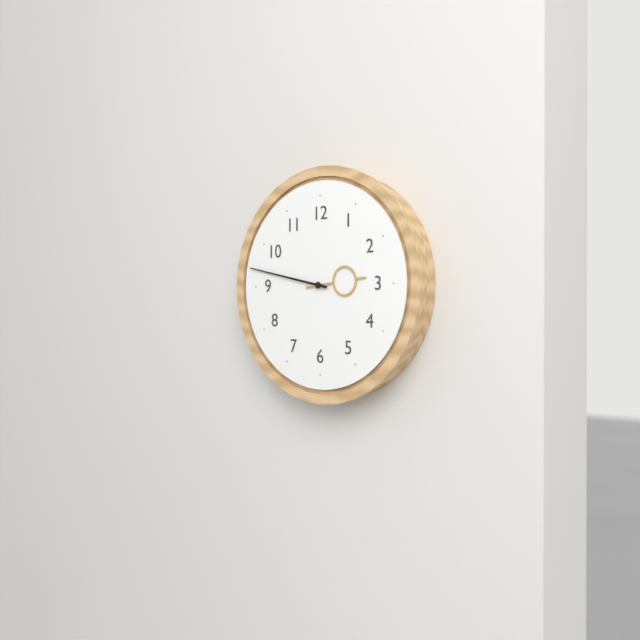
2,47
